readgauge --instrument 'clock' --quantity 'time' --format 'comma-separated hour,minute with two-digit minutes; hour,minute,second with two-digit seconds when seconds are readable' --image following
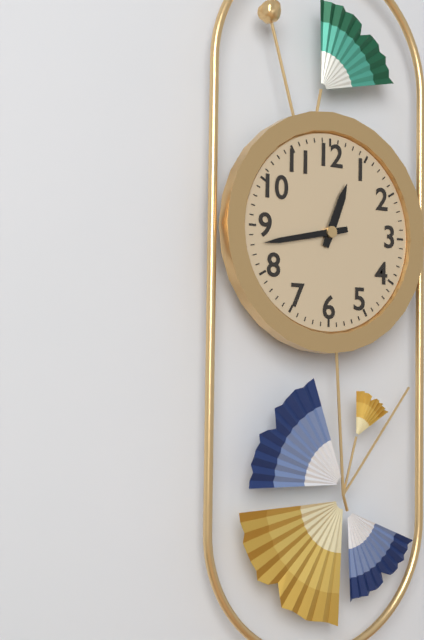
12,43
